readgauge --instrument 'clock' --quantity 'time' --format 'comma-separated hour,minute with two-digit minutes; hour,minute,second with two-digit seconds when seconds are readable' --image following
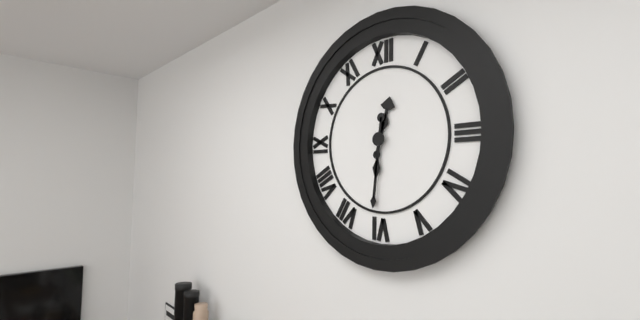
12,31
